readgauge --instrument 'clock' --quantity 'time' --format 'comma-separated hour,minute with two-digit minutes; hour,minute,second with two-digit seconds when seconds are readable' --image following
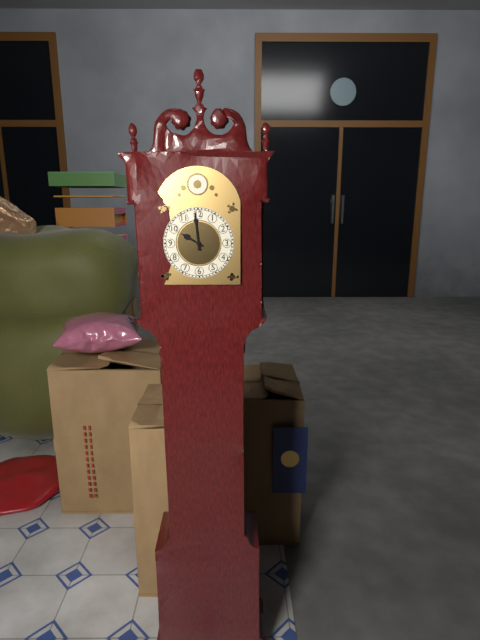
9,59
